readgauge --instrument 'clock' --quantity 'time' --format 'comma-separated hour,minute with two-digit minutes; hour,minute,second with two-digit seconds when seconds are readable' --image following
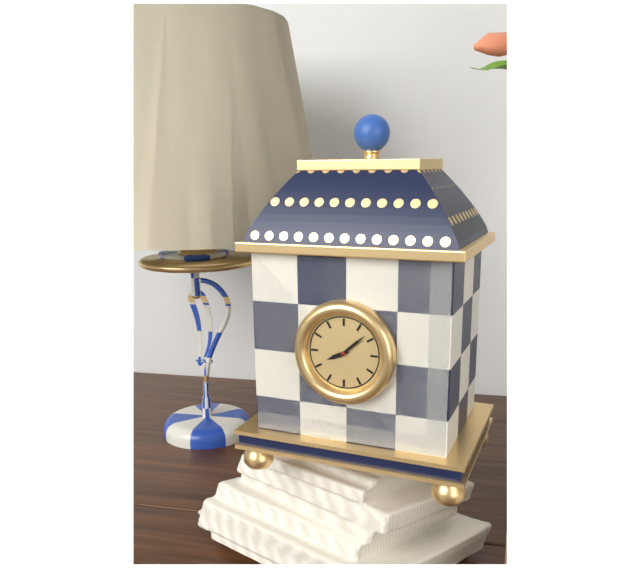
8,08
